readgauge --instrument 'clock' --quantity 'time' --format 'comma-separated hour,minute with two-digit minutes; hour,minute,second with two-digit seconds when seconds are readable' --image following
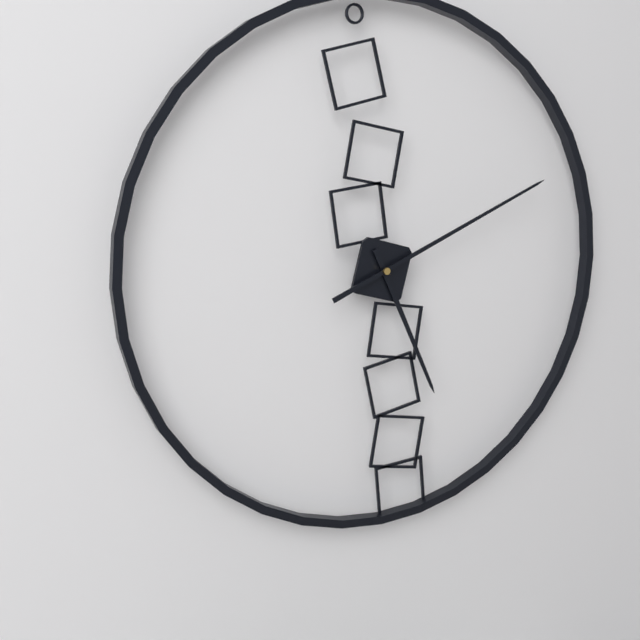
5,11
